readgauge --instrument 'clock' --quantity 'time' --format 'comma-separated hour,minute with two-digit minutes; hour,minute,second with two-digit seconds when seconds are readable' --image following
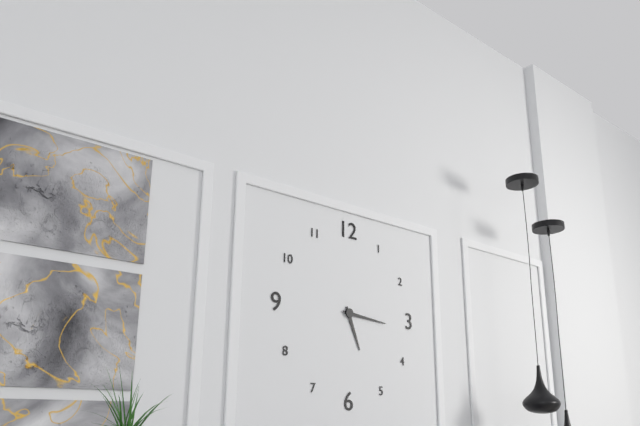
5,16
